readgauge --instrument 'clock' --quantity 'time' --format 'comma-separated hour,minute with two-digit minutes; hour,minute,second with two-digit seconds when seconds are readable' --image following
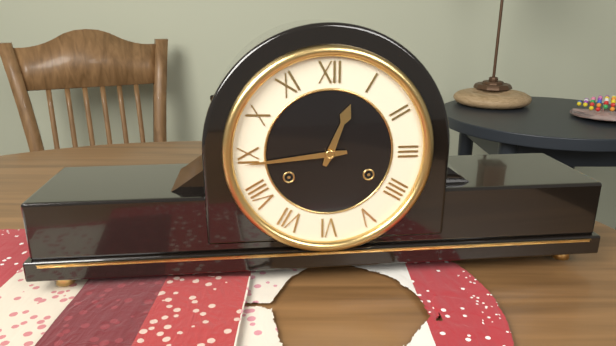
12,44
